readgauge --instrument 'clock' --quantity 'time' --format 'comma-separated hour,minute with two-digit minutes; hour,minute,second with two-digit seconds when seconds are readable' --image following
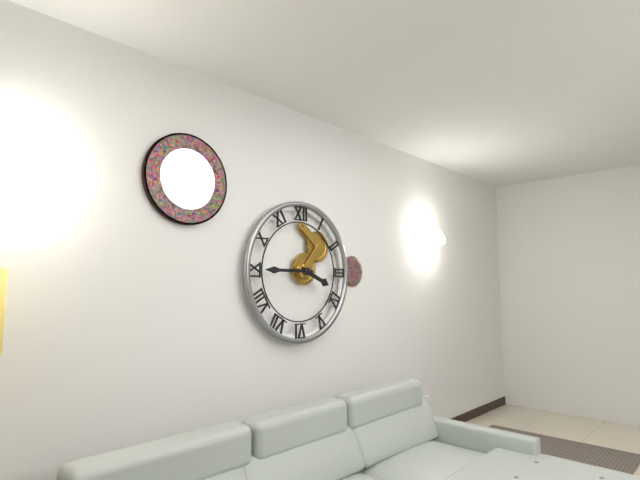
3,45
